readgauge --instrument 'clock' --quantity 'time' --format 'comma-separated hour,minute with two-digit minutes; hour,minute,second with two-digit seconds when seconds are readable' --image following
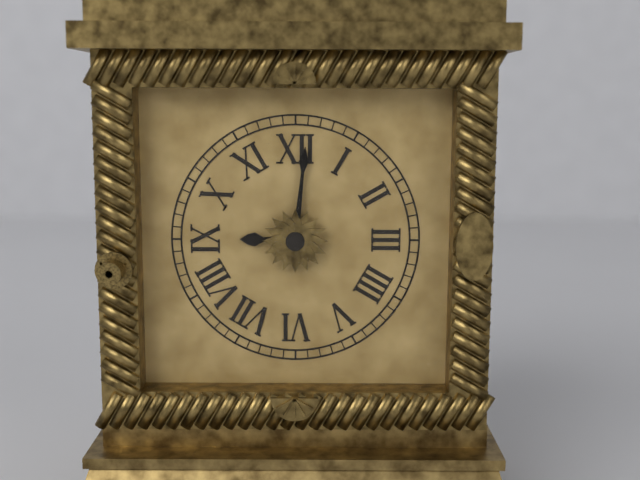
9,01
